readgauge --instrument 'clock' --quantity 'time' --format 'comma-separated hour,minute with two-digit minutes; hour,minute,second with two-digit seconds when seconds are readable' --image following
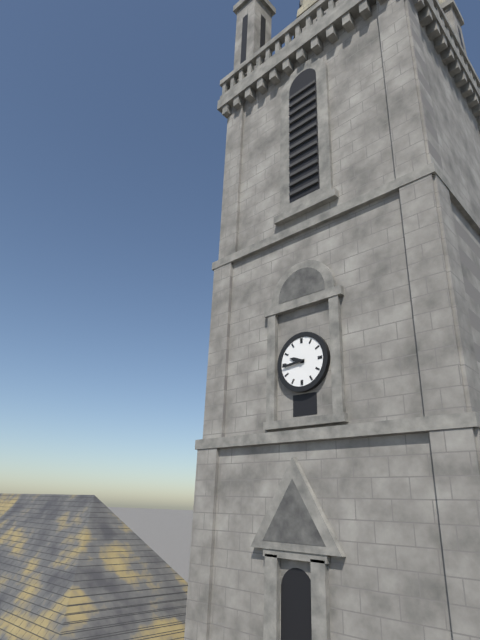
9,44
